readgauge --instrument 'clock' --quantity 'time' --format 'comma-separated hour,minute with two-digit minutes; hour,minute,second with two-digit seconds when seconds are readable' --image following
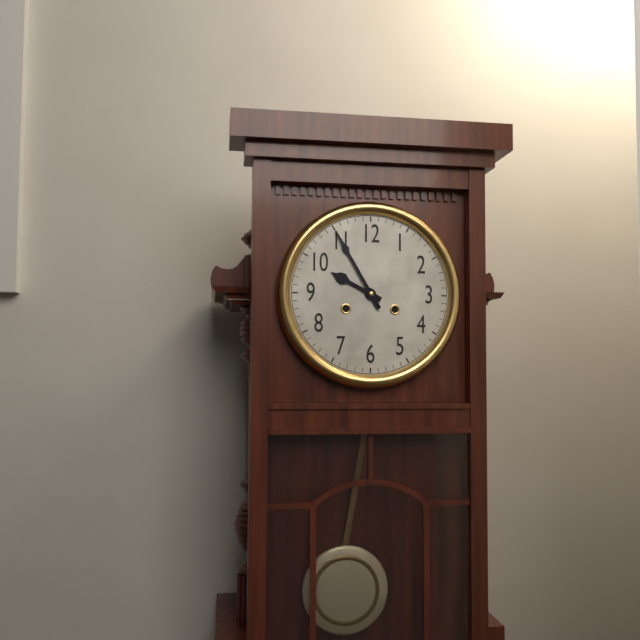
9,55
